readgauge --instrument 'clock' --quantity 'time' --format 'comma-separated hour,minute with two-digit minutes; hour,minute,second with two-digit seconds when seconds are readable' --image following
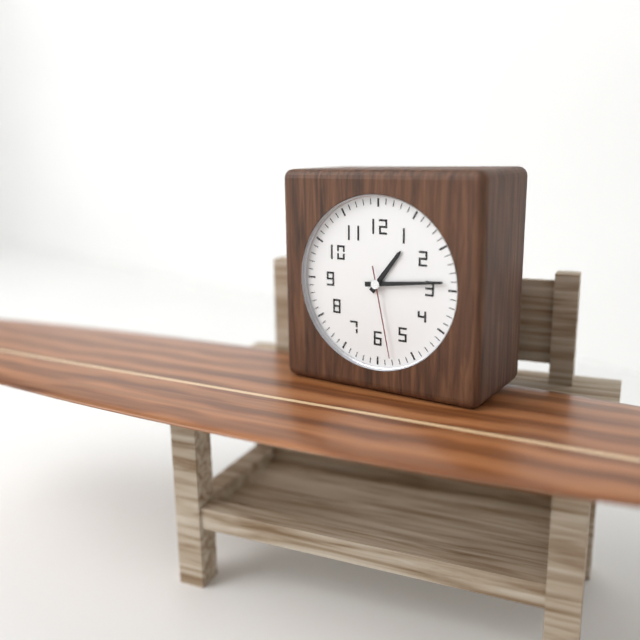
1,14,28
